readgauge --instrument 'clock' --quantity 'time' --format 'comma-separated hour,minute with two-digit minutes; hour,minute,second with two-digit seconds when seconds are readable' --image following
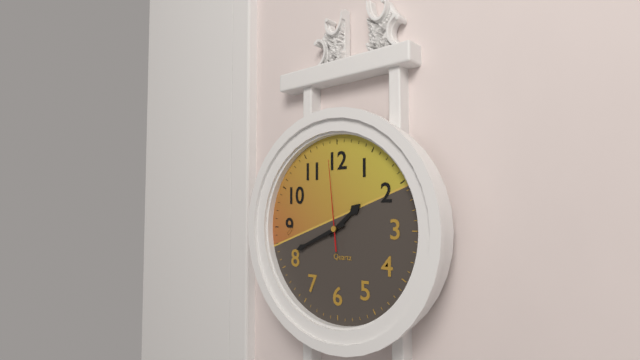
1,41,59
